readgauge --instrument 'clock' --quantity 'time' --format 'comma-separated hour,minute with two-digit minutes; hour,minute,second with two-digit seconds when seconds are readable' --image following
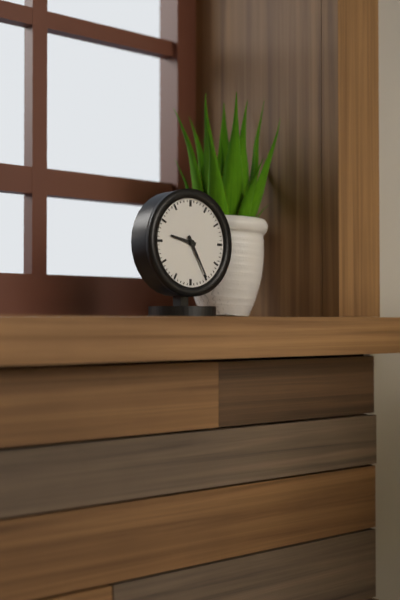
9,25
